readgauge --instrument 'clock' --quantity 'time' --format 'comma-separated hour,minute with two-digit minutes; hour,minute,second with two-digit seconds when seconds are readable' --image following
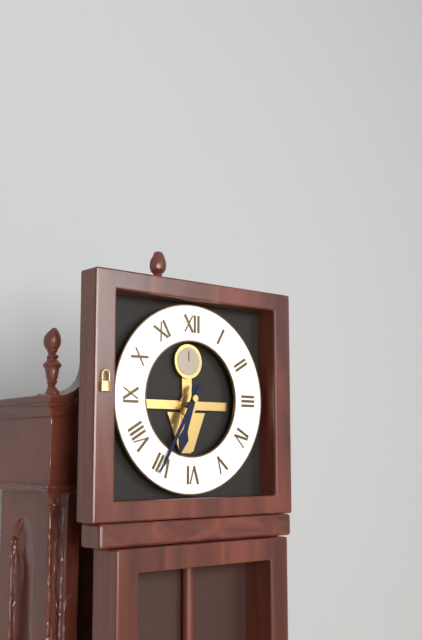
6,35
